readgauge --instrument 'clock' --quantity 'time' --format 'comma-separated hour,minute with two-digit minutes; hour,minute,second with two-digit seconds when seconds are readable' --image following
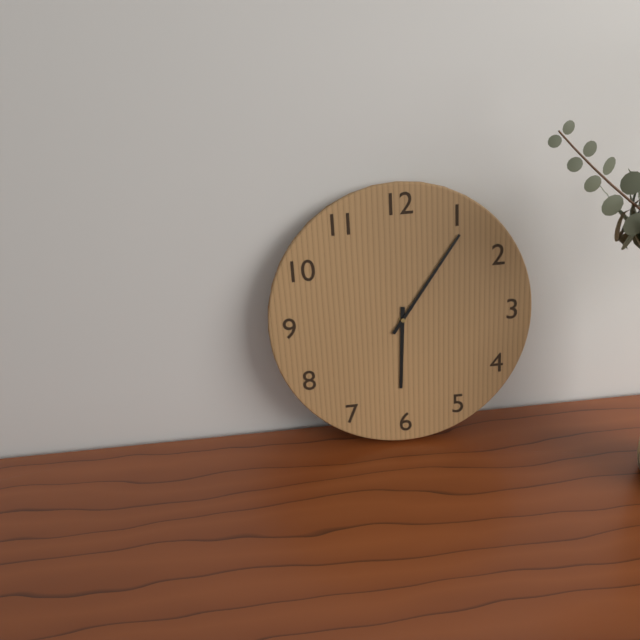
6,06
